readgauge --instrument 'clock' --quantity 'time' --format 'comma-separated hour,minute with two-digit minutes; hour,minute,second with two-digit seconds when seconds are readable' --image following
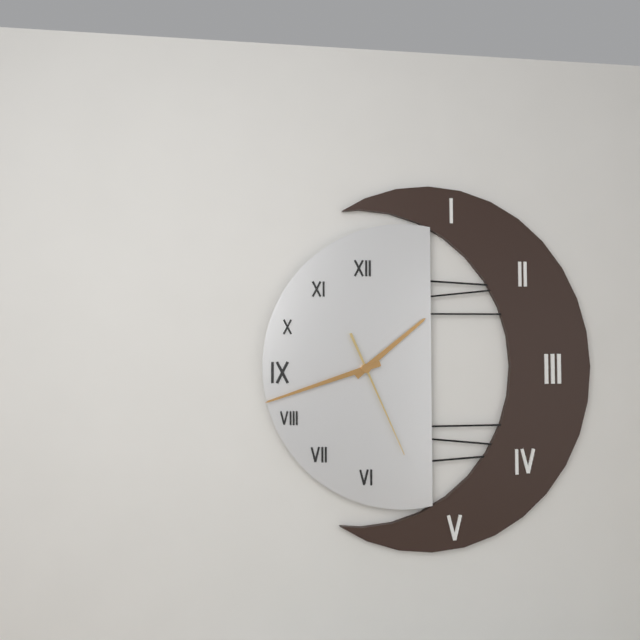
1,42,26
